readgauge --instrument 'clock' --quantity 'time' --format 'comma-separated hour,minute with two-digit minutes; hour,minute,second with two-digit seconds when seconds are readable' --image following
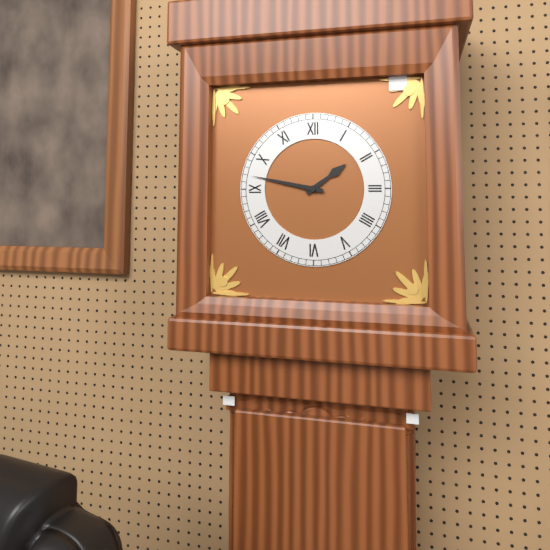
1,47
